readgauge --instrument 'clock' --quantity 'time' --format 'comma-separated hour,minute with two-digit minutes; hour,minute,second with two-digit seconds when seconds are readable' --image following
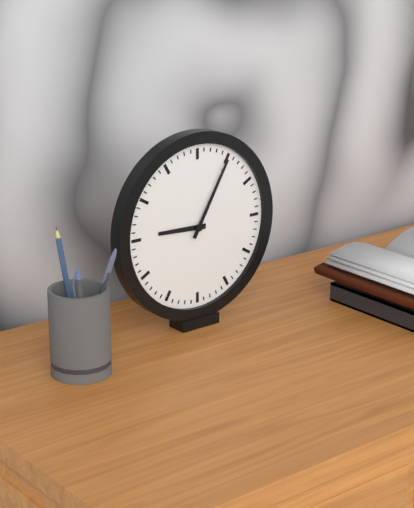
9,05
